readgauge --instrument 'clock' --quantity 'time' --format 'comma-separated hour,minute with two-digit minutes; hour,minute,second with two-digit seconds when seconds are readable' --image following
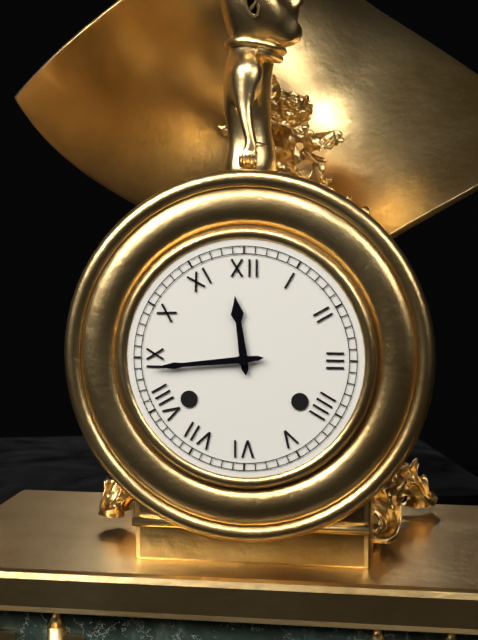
11,44
